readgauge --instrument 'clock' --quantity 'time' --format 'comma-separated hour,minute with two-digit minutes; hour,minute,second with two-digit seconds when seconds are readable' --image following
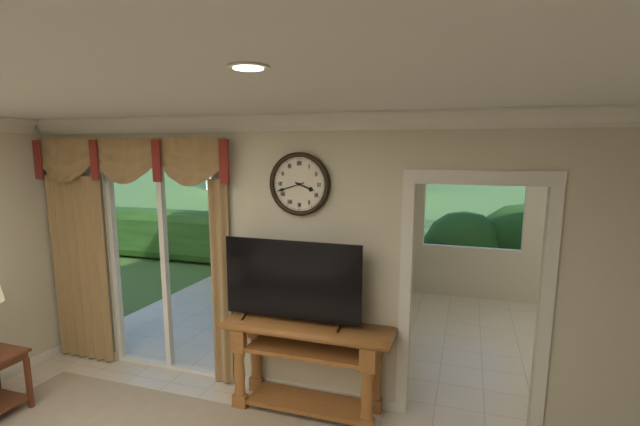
3,42
